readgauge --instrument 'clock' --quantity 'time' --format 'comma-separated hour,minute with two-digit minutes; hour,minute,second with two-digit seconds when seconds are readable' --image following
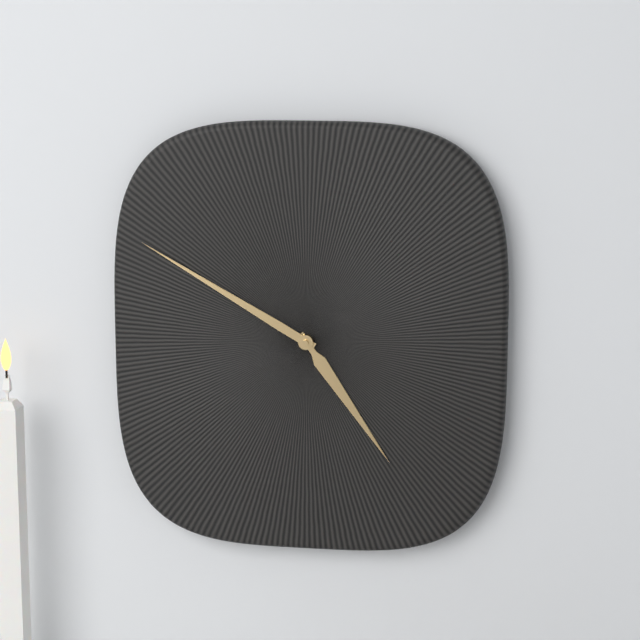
4,50
